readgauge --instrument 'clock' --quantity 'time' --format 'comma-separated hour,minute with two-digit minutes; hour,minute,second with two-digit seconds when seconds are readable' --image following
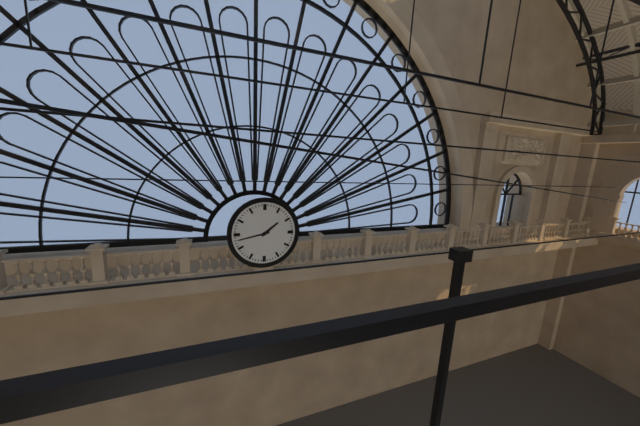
1,43
